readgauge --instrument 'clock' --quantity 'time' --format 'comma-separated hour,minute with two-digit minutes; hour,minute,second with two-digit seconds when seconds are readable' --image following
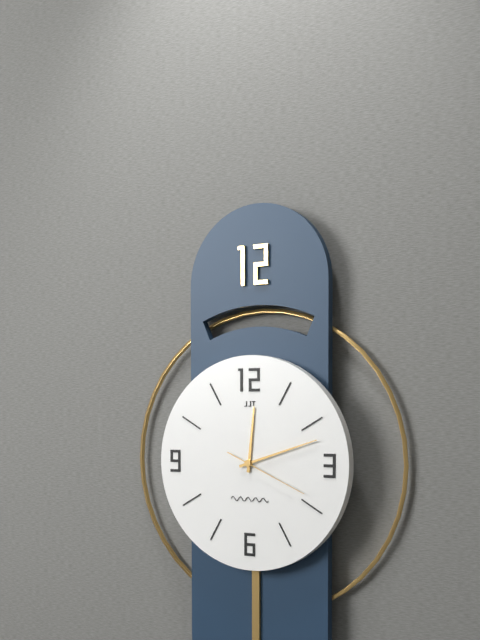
12,12,19
